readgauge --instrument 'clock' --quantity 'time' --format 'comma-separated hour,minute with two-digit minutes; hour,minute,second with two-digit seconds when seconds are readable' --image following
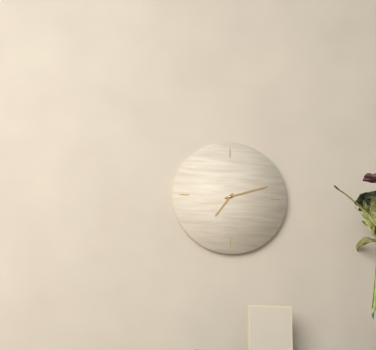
7,12
